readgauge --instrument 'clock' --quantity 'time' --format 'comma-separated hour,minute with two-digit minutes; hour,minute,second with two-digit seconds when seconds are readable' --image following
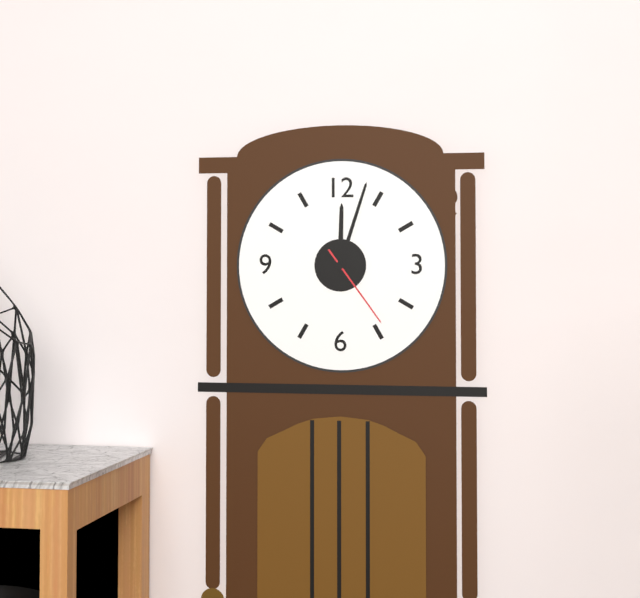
12,03,24
